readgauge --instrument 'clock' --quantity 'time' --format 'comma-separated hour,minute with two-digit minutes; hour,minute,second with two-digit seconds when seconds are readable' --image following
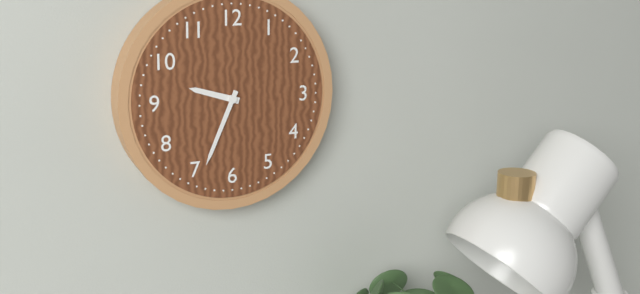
9,34
